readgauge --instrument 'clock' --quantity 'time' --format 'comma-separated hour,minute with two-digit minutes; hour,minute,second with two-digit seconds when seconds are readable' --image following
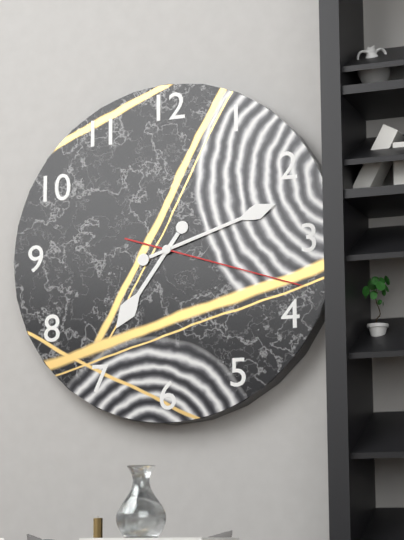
7,12,18
